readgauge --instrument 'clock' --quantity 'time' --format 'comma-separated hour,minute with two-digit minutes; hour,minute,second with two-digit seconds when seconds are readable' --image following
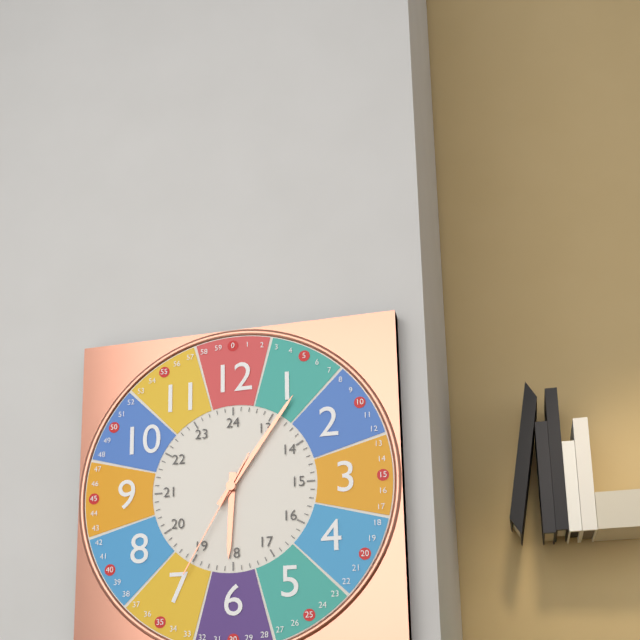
6,06,35
